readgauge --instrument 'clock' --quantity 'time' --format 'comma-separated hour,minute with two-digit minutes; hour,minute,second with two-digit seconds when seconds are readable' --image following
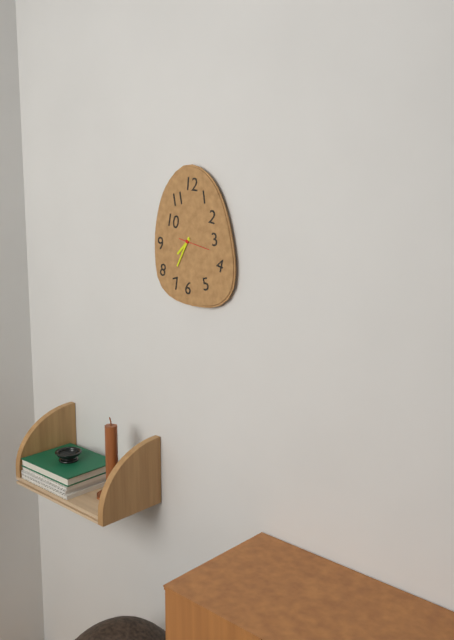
7,35
